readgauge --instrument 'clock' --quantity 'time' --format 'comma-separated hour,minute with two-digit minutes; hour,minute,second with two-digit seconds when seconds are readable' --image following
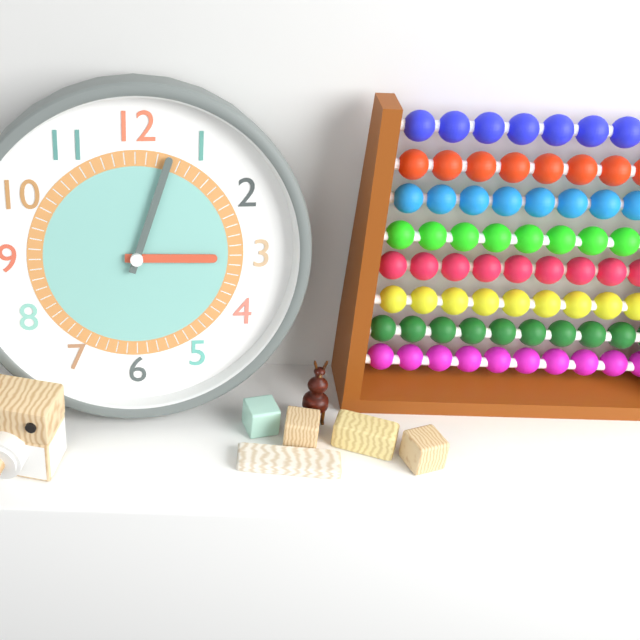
3,03
